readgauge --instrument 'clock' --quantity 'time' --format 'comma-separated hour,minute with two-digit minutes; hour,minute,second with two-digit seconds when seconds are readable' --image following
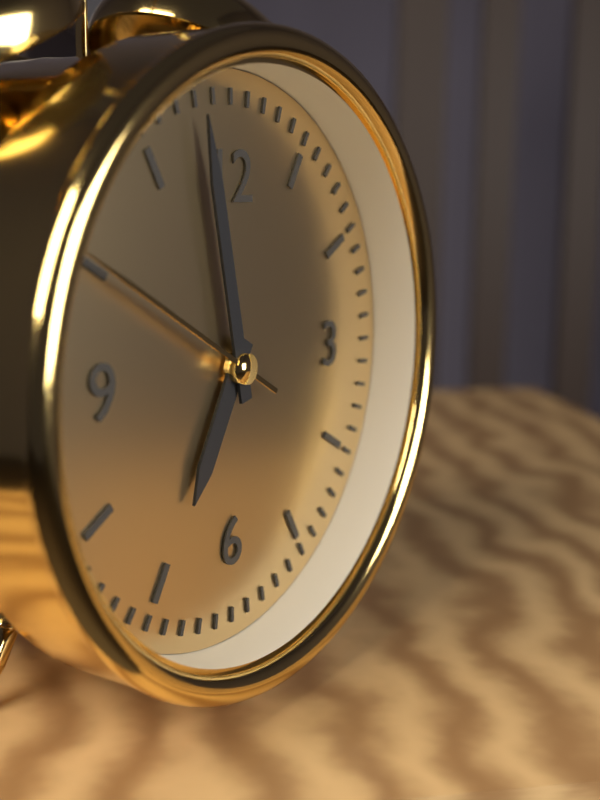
6,58,50
